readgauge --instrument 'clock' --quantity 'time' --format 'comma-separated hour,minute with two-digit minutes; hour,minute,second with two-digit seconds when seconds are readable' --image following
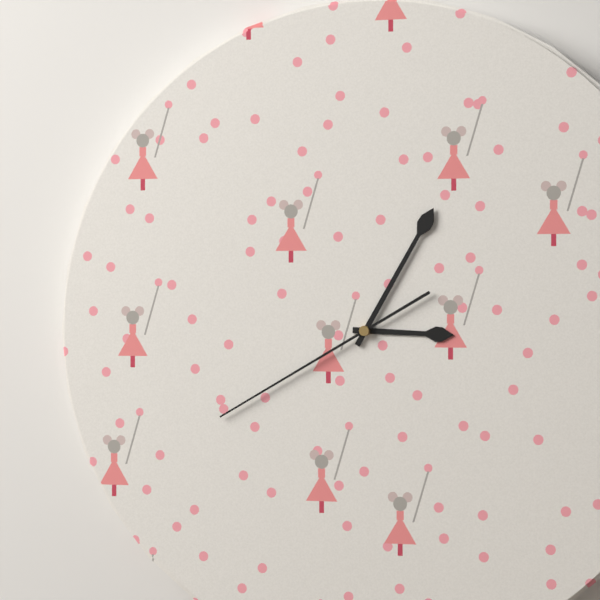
3,05,40
